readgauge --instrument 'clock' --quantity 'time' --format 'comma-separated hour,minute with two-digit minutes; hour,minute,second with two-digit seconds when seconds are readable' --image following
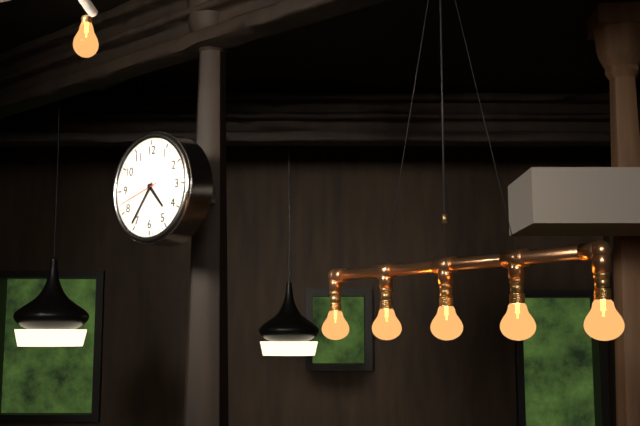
4,36
